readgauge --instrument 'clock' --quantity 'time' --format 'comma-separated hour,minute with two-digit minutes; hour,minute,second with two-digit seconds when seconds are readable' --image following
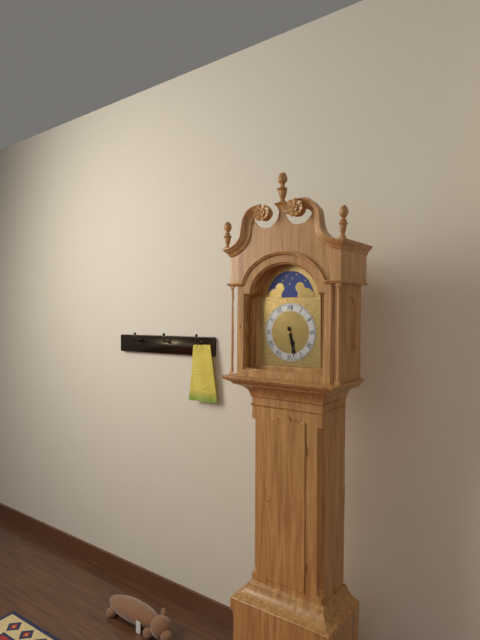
5,28
